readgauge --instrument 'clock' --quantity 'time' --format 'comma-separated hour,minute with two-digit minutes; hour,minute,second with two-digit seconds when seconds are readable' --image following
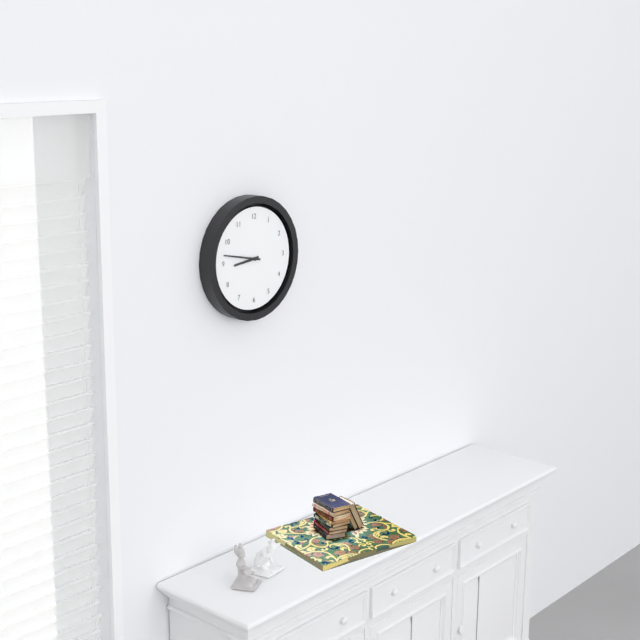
8,47
